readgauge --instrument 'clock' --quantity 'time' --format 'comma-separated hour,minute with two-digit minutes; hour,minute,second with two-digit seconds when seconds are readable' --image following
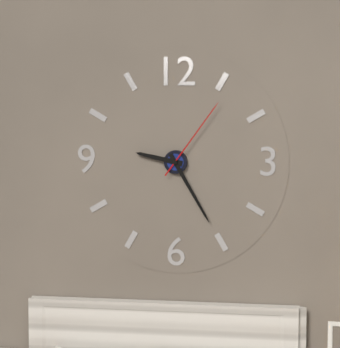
9,25,06
